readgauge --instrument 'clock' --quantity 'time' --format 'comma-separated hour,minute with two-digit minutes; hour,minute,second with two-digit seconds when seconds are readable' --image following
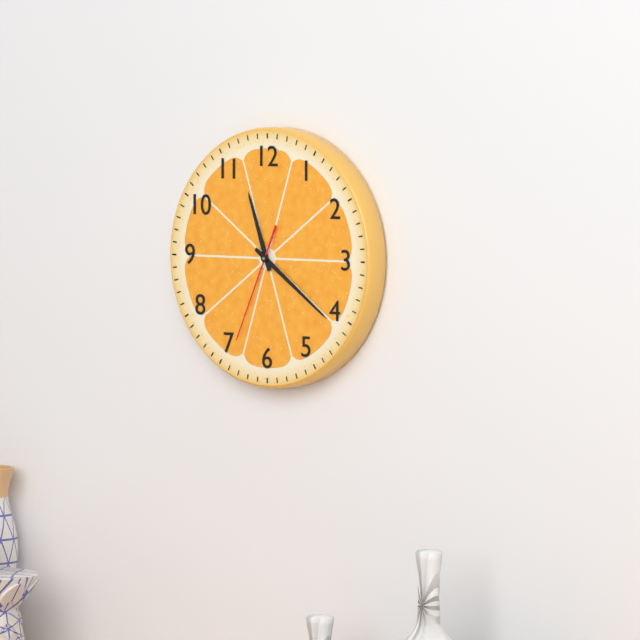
11,21,34
